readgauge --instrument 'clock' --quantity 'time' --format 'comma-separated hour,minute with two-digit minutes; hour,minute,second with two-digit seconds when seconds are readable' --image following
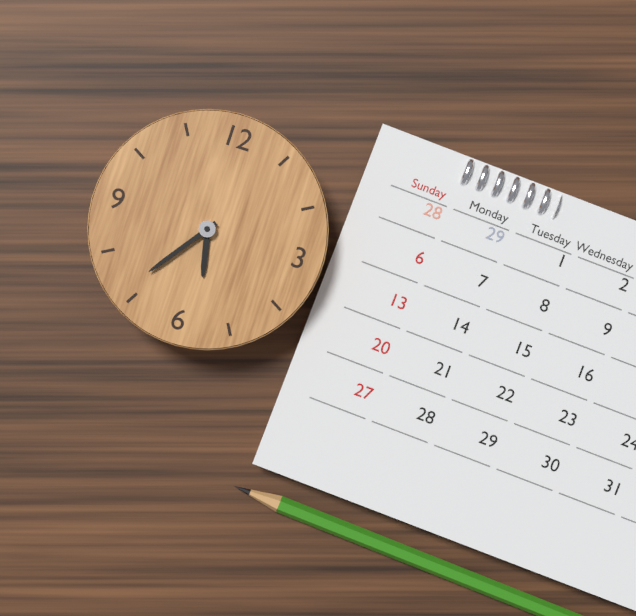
5,36
